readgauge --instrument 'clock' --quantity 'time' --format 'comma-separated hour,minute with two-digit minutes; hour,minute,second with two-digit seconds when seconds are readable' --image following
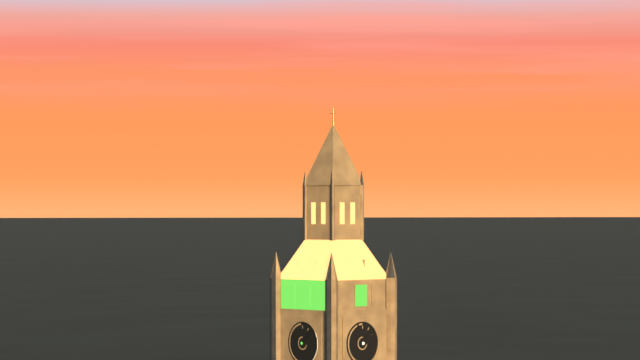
3,07
